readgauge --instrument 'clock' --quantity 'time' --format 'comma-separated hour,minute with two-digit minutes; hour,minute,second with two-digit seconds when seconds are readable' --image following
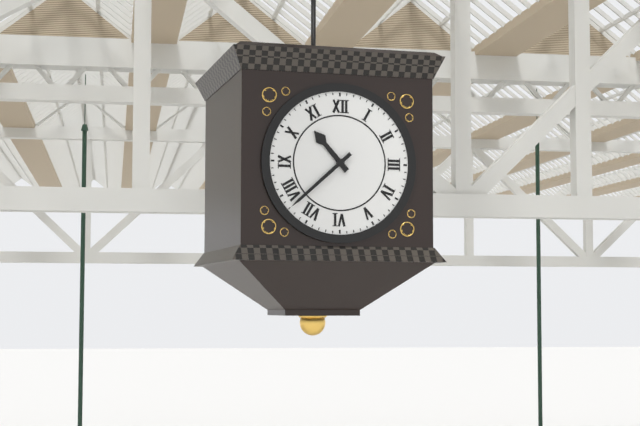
10,38
